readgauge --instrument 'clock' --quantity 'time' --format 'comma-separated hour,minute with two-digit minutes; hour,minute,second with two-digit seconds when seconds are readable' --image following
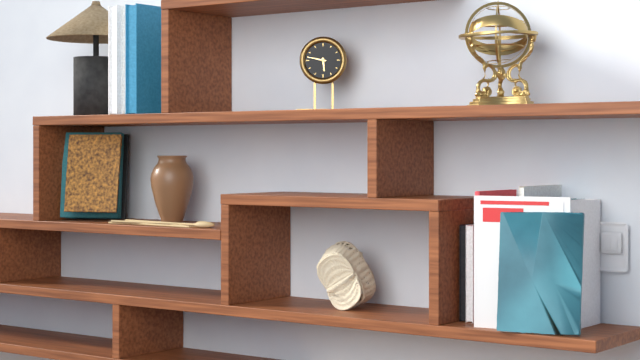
5,47
